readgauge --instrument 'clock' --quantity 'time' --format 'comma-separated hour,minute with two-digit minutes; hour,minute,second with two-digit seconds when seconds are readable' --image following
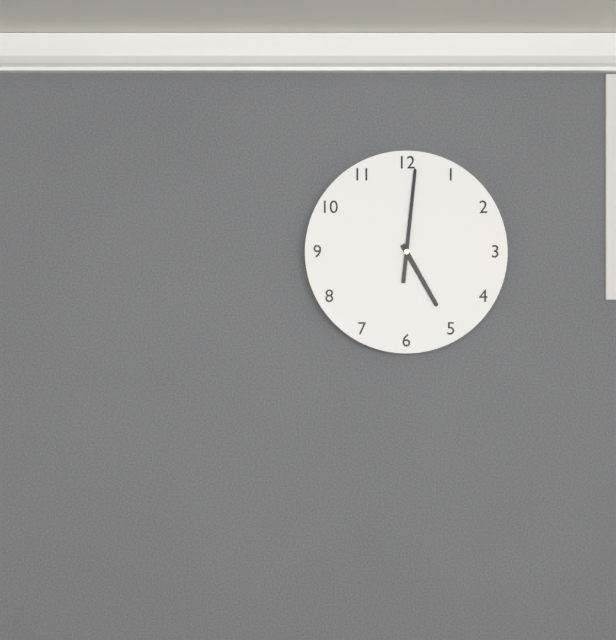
5,01
